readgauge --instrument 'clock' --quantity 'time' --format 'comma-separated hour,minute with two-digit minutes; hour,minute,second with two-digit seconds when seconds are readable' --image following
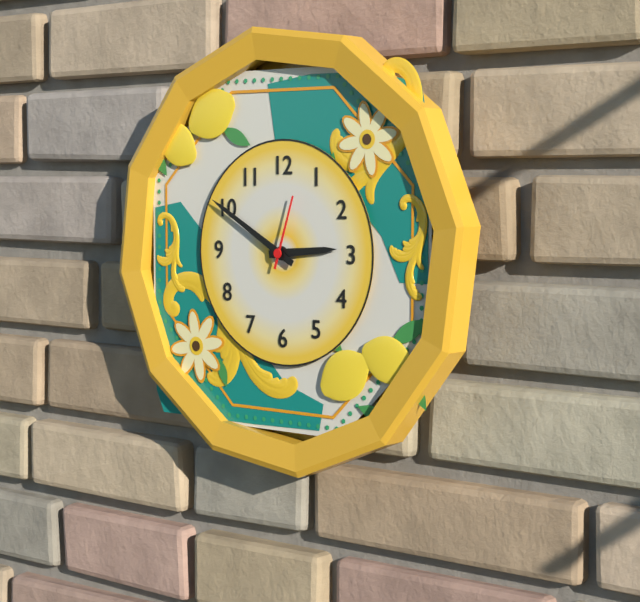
2,50,03
